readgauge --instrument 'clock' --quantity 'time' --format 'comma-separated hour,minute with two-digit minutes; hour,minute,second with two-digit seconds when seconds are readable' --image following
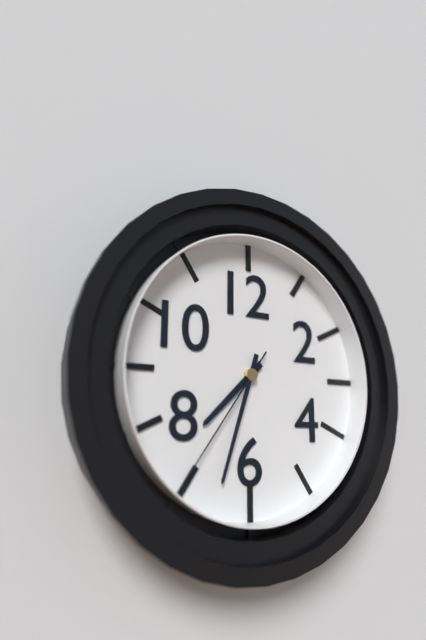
7,33,36
